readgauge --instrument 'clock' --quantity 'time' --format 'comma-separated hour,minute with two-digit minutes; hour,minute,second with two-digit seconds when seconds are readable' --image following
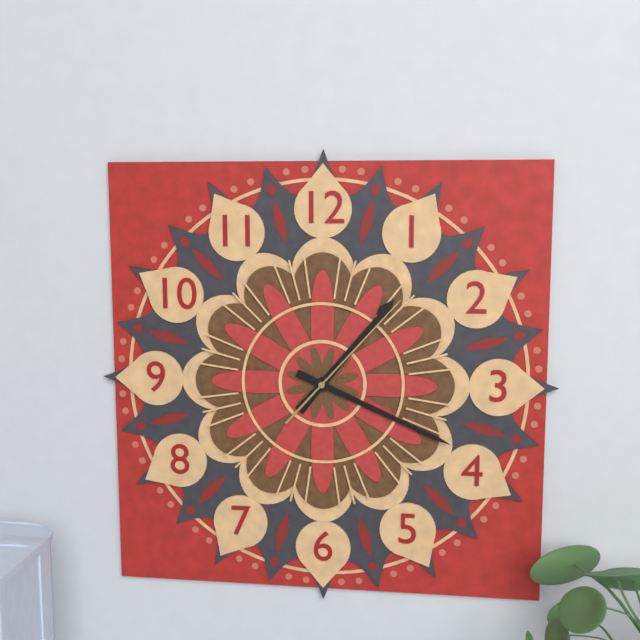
1,19,07
